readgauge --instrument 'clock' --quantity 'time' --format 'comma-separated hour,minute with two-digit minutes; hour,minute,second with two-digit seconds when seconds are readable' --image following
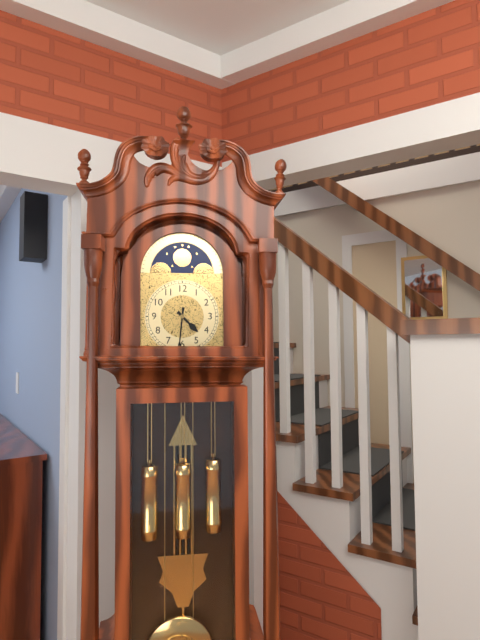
4,31
